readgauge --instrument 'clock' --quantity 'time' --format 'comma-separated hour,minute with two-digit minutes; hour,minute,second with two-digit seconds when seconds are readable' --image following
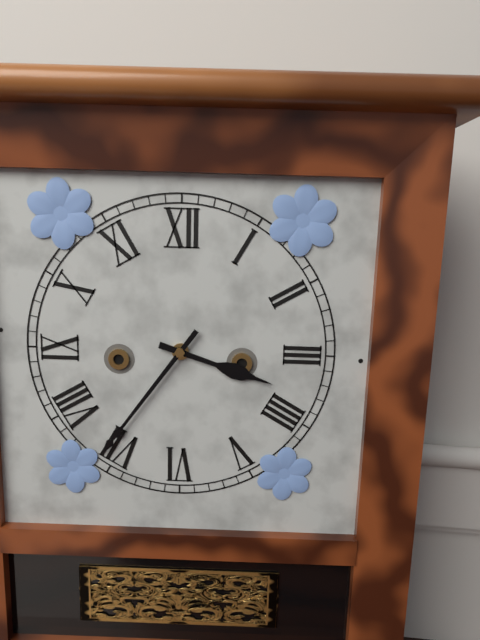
3,36
